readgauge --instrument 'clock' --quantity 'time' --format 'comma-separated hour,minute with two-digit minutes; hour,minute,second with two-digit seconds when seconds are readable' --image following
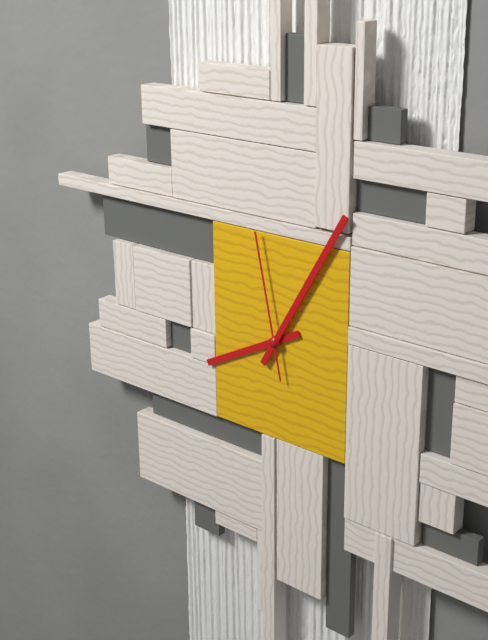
8,05,58
